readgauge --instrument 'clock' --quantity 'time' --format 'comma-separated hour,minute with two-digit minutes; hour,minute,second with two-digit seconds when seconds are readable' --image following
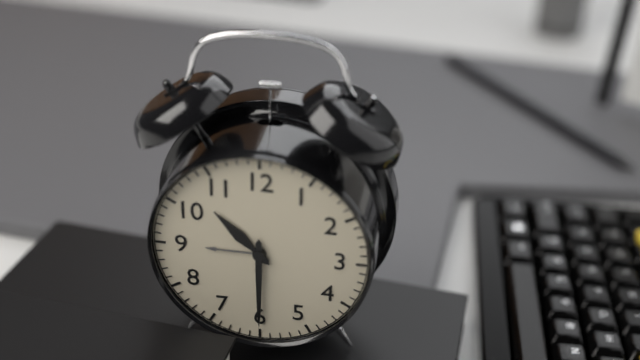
10,30
